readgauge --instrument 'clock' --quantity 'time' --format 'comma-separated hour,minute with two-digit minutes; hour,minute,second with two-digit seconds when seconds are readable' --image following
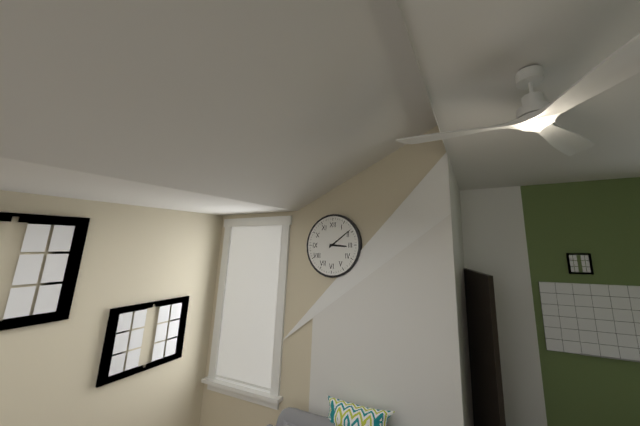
3,09
